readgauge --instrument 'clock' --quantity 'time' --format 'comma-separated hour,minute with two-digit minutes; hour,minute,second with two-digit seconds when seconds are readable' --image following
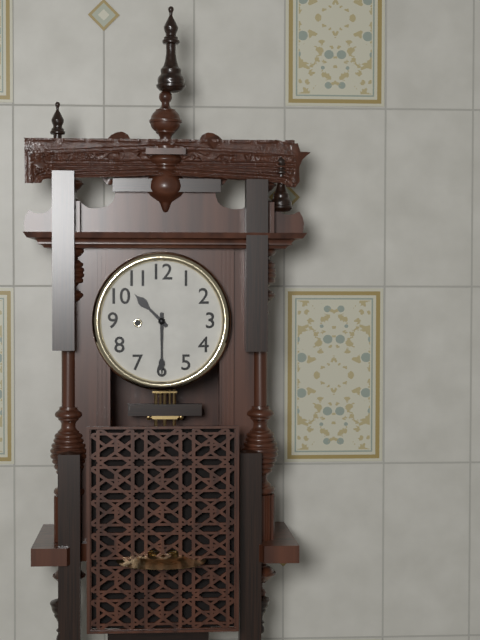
10,30
